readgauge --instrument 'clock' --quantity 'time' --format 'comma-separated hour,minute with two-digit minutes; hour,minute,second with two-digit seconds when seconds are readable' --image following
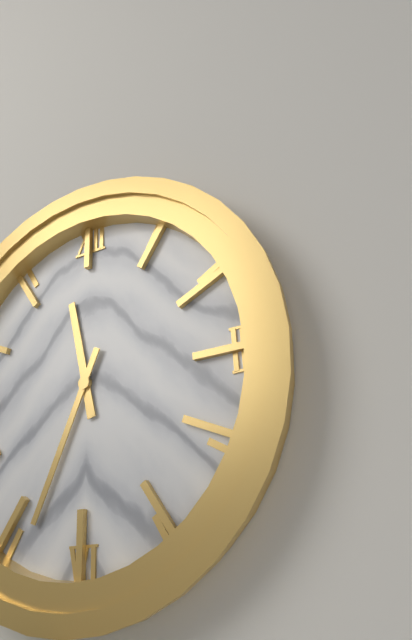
11,34
